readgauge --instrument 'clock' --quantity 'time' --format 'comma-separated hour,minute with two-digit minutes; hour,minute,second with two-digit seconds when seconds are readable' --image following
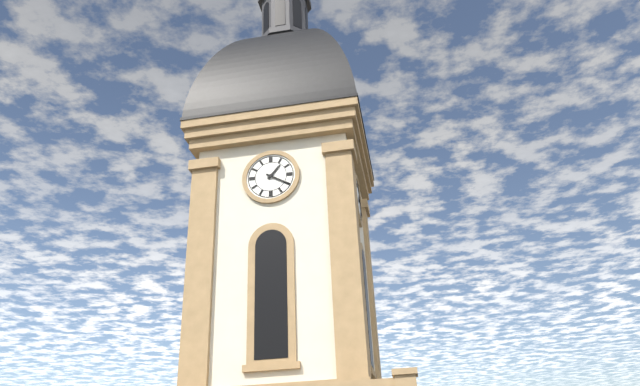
1,20
